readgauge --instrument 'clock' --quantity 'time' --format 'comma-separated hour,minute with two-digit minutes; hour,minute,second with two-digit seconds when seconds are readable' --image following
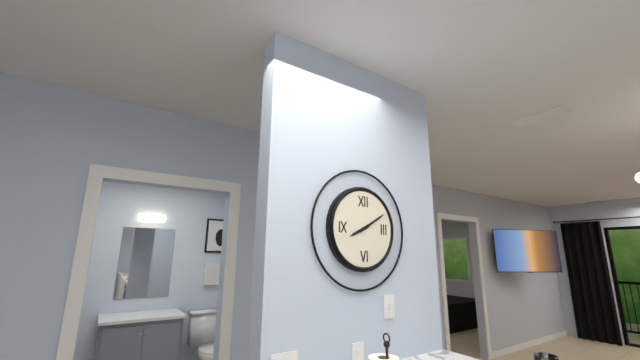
8,10
